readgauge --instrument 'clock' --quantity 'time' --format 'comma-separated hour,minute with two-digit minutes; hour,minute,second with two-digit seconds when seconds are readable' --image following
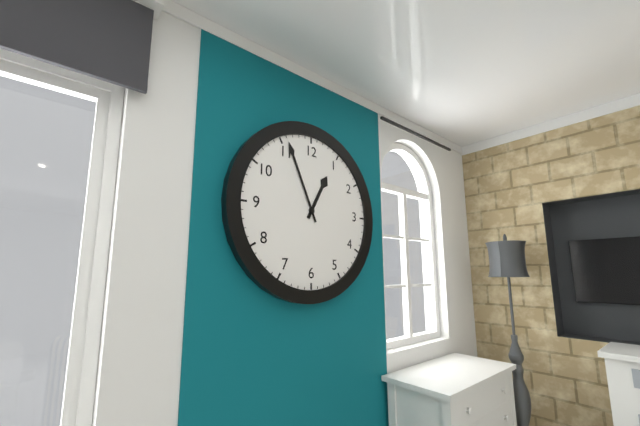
12,56
